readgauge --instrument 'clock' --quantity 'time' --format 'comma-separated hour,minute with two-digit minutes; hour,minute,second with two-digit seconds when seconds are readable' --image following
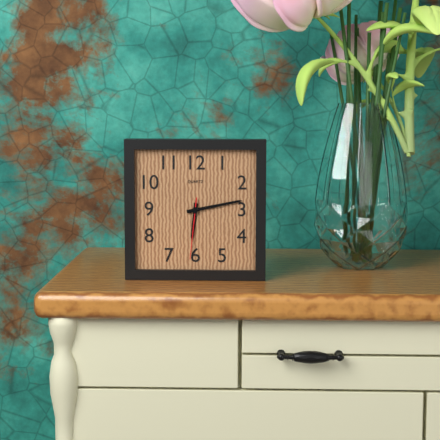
6,13,31
